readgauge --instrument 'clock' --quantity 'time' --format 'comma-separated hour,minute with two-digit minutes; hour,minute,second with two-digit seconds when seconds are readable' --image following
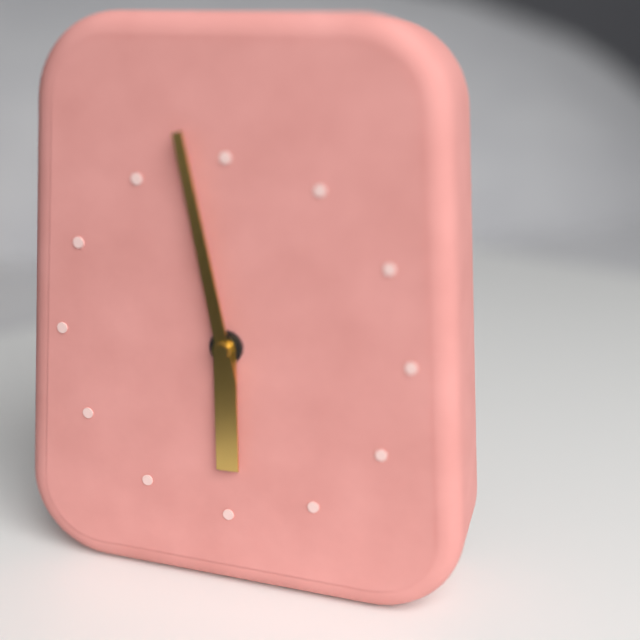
5,58
